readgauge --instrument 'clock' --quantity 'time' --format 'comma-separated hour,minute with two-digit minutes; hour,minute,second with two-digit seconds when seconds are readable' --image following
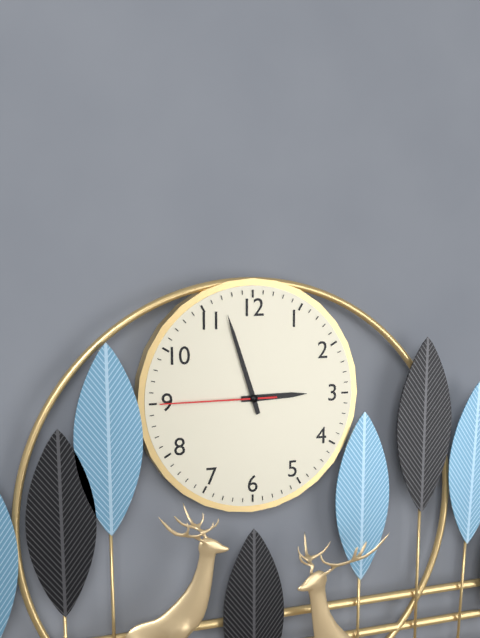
2,57,45
